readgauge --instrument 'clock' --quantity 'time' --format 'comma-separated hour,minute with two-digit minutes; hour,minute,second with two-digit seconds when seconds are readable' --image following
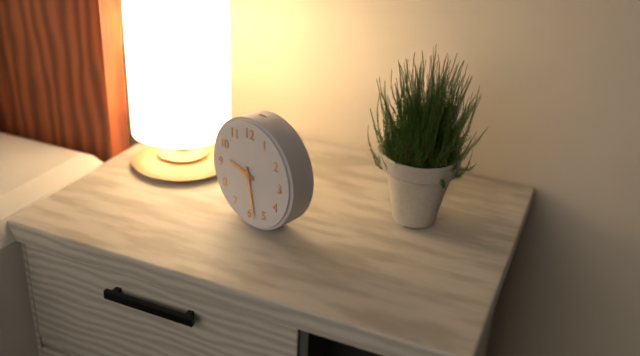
9,28
